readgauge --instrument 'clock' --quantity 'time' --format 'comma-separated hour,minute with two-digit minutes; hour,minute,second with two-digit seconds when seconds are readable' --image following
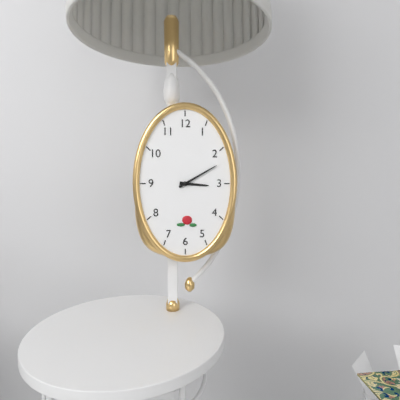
3,10
